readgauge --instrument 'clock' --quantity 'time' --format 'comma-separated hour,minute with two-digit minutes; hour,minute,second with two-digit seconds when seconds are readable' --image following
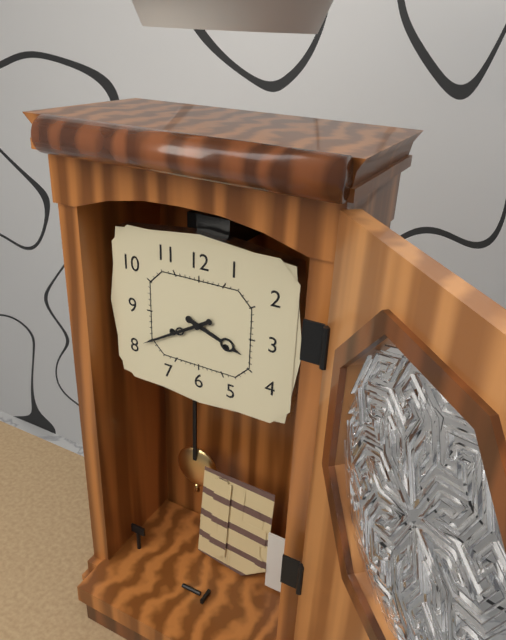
3,40
